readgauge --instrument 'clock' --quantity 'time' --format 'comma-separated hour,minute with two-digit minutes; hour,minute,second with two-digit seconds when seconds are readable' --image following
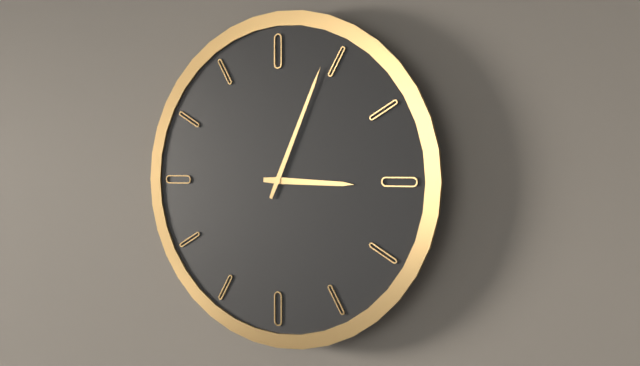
3,04
